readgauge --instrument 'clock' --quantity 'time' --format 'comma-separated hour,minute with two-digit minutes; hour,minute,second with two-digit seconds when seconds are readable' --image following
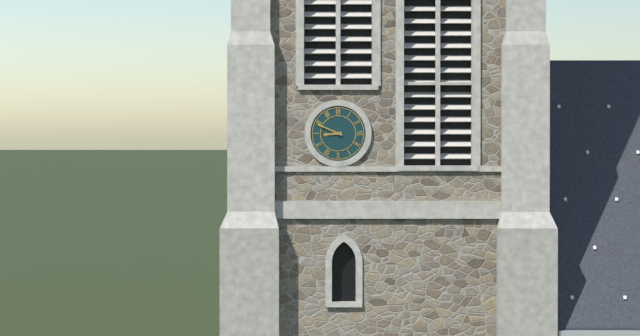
8,49
